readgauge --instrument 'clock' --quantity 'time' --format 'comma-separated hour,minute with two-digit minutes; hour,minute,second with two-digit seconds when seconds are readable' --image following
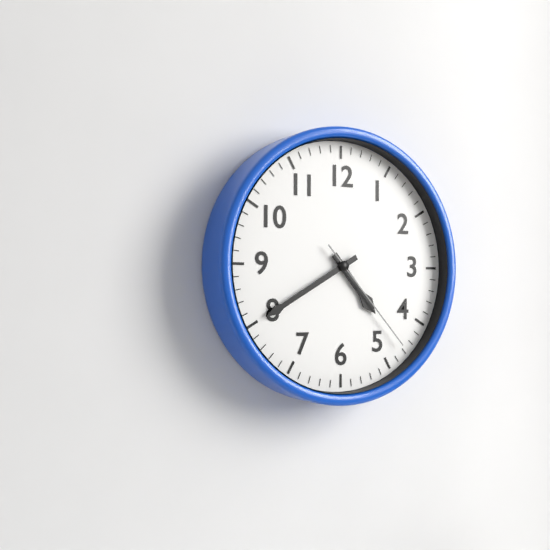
4,40,23
